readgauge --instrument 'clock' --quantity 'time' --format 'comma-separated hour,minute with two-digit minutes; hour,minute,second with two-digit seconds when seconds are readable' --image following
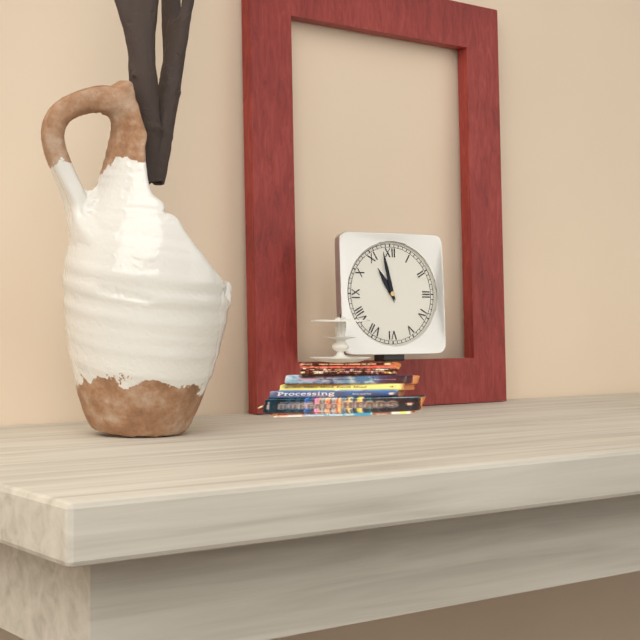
10,58
